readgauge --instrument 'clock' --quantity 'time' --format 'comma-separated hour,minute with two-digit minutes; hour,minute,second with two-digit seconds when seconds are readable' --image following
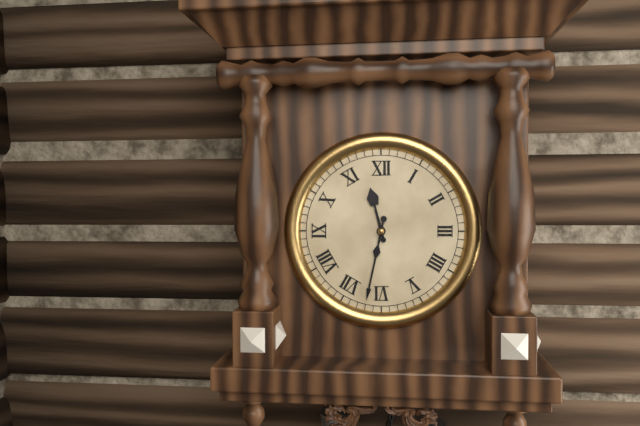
11,32
